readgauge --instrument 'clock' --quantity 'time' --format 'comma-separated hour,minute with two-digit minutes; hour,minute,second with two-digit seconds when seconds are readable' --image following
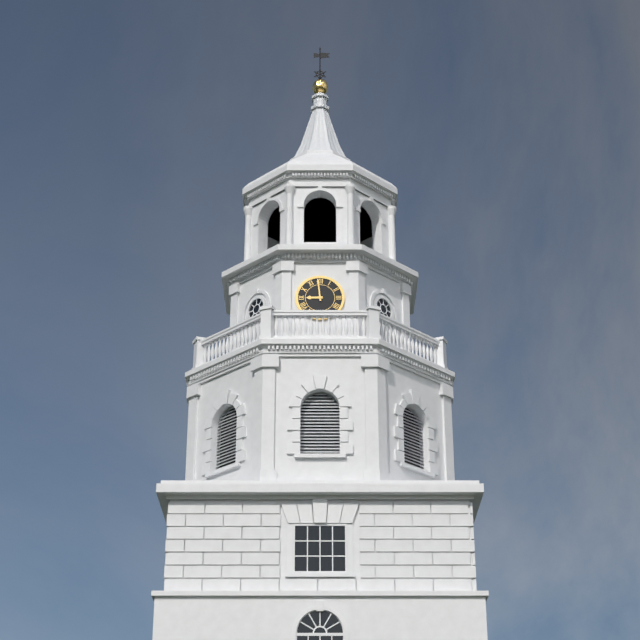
8,59
